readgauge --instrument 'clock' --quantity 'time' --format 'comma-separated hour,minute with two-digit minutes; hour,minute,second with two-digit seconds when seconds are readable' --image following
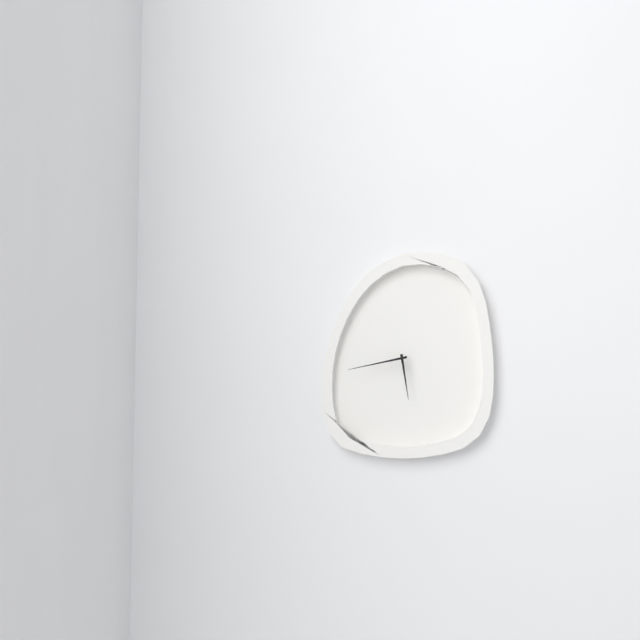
5,43
